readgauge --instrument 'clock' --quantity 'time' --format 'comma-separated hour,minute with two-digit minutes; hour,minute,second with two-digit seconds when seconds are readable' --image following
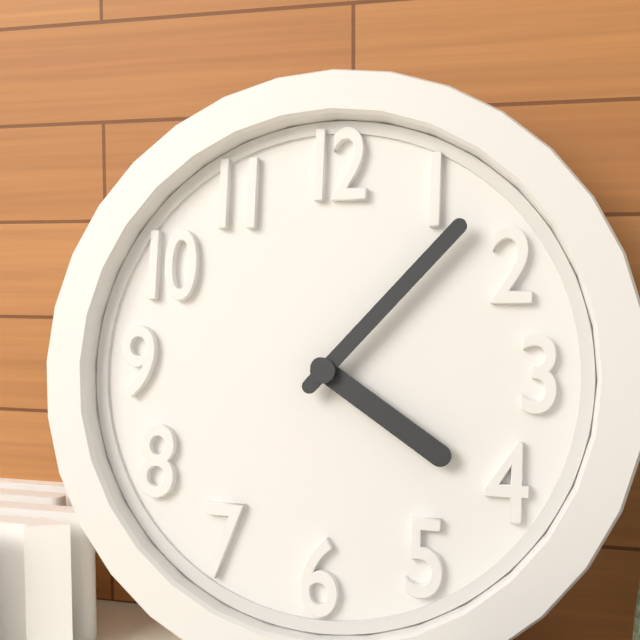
4,07
